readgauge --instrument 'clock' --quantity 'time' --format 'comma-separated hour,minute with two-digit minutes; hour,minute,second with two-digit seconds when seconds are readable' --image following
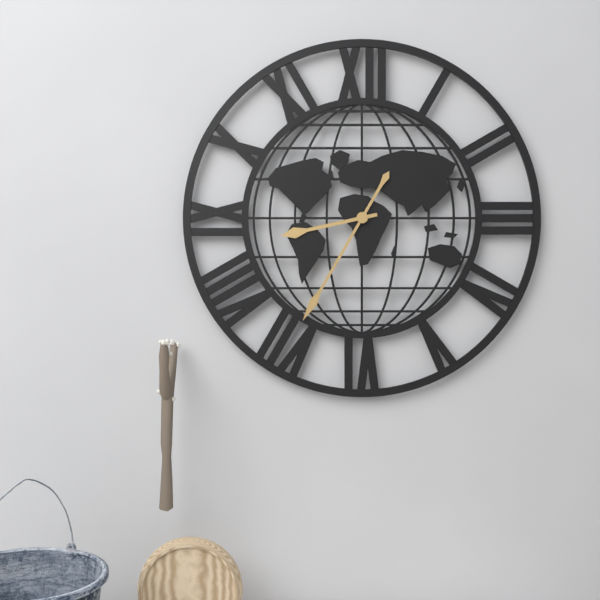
8,35
